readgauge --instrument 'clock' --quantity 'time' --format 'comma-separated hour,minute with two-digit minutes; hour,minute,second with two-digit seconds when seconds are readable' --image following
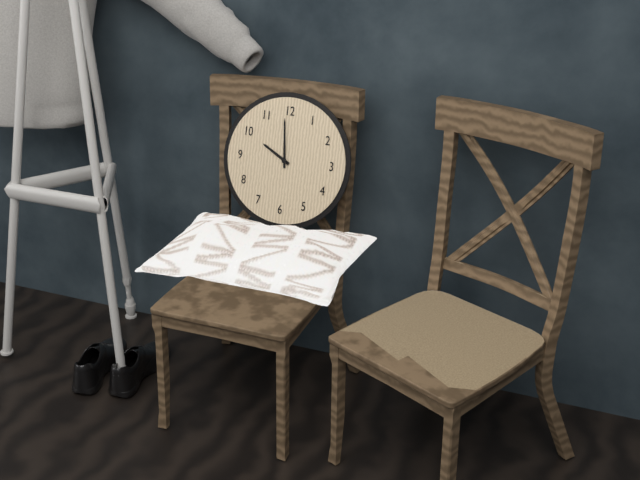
9,59
